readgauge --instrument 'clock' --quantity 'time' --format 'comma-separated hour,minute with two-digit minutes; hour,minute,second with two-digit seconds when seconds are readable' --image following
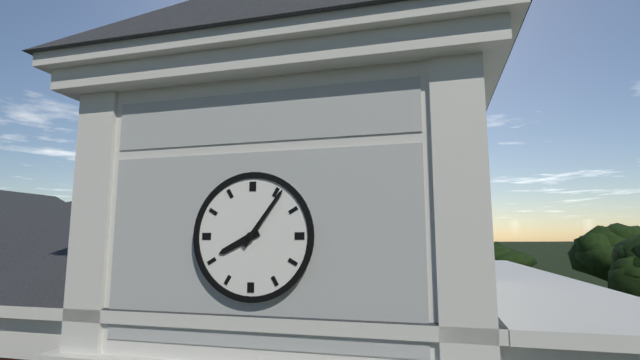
8,06
